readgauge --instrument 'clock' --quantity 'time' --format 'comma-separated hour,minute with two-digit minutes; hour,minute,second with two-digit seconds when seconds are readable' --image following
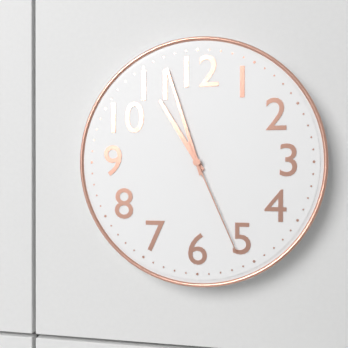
10,57,26
